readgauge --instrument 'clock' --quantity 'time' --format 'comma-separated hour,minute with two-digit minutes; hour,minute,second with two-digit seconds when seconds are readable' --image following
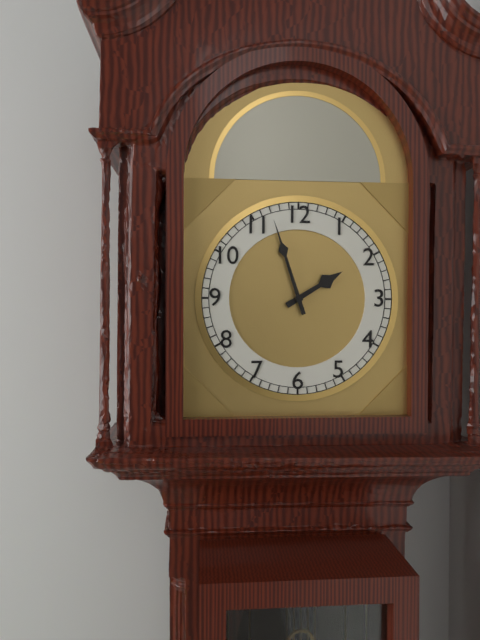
1,57
